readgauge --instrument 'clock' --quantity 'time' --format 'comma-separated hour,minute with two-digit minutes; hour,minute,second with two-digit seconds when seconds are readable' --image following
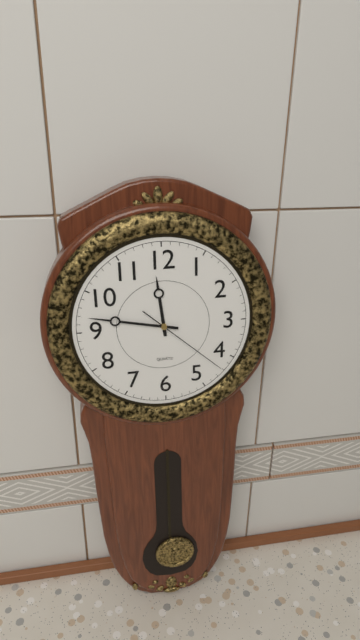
11,47,22
